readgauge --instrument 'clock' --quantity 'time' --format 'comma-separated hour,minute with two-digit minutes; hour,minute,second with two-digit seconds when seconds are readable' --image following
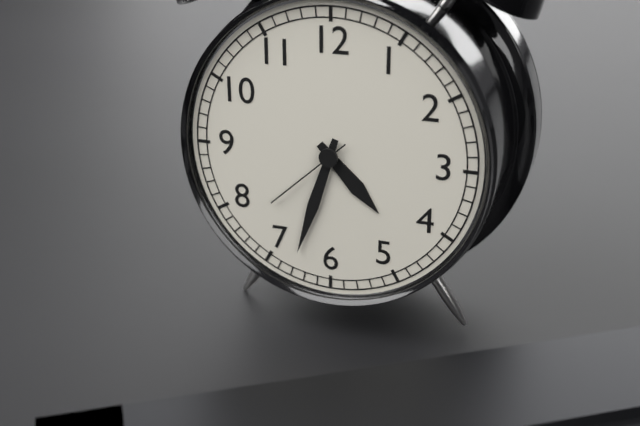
4,33,38
